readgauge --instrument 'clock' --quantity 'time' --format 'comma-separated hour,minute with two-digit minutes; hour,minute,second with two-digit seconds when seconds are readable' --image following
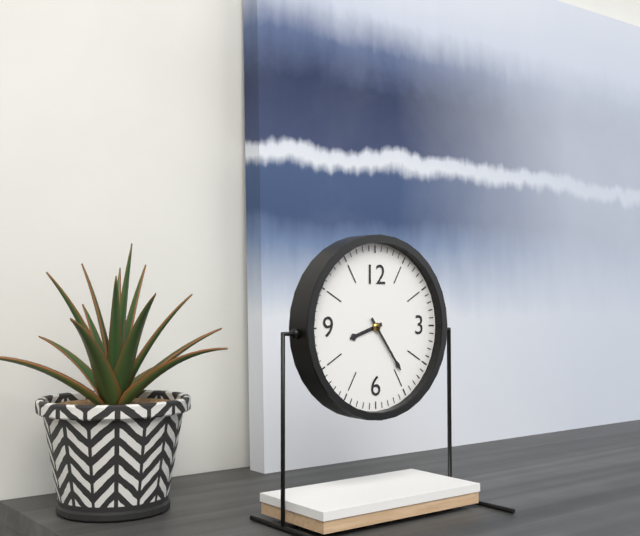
8,24
